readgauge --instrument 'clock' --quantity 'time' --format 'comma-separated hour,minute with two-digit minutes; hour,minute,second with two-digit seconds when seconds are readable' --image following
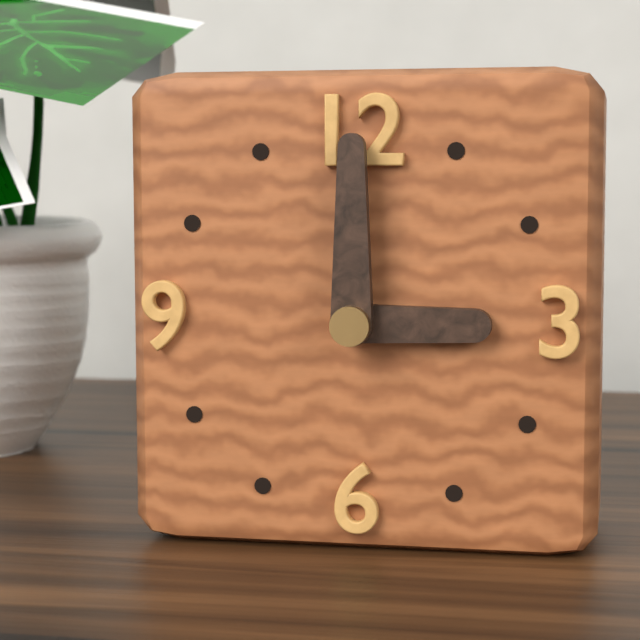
3,00
